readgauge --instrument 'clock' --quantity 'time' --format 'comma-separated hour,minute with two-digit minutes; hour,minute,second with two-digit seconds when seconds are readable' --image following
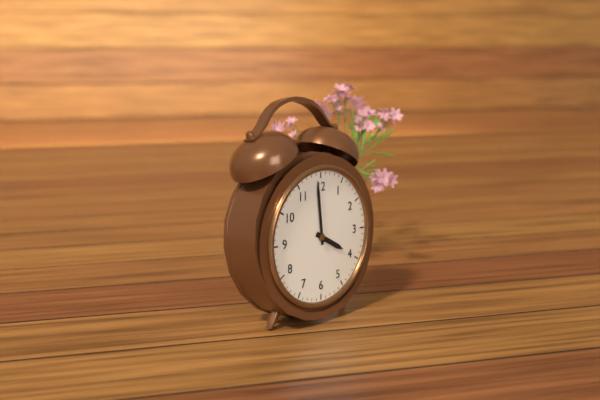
3,59
